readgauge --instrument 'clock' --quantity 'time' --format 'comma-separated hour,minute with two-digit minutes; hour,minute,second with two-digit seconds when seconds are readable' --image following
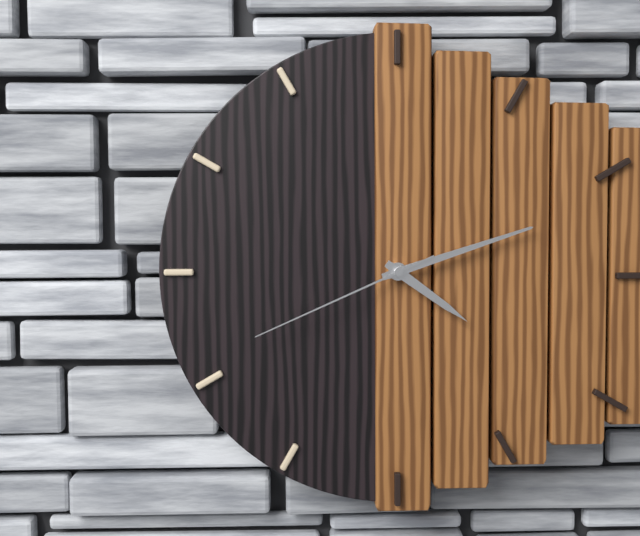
4,12,41
